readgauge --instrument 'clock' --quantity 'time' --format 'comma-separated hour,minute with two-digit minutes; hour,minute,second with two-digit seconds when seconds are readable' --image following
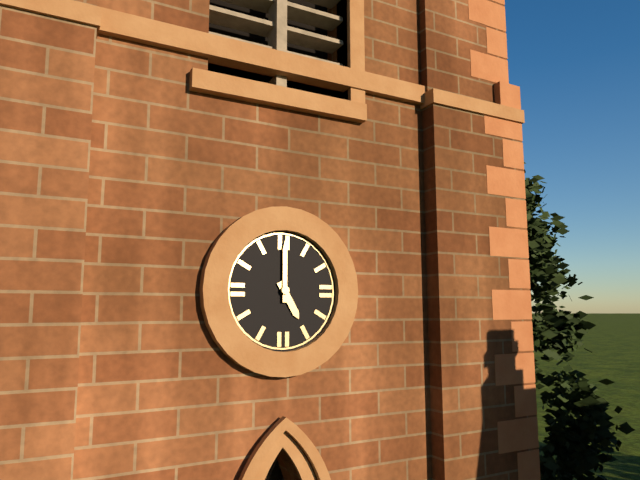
5,00
